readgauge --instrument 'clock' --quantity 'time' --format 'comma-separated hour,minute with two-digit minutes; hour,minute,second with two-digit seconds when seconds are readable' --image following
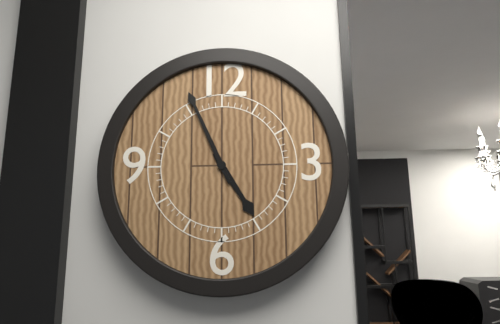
4,56
